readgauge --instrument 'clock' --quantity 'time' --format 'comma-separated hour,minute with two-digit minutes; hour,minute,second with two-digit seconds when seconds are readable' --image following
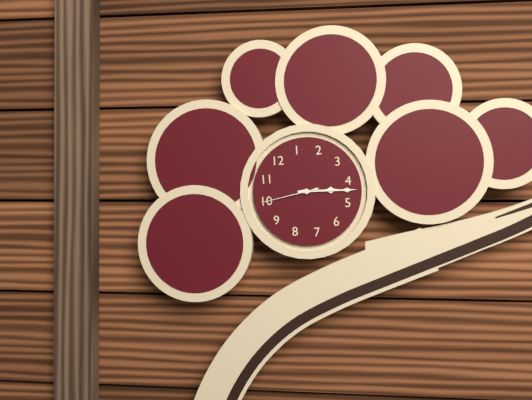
4,22,50
